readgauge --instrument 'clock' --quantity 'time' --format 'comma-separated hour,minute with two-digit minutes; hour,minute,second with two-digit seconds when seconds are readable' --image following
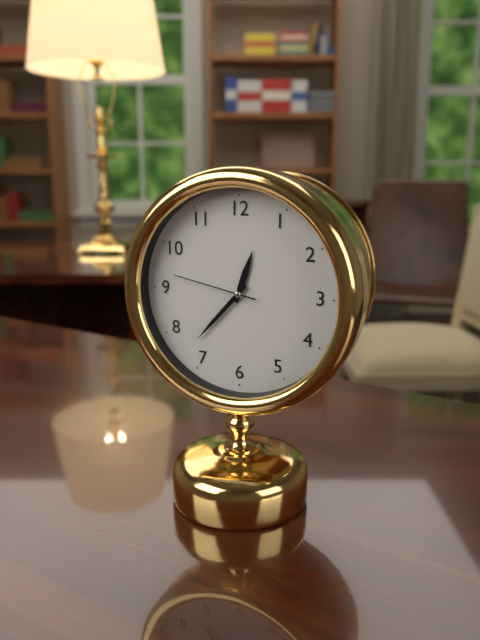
12,37,47
